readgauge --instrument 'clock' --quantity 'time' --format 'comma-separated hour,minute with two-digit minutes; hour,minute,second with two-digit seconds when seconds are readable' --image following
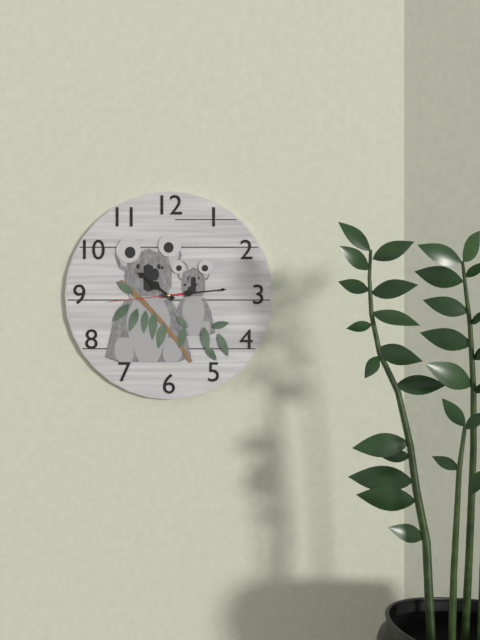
10,14,44
